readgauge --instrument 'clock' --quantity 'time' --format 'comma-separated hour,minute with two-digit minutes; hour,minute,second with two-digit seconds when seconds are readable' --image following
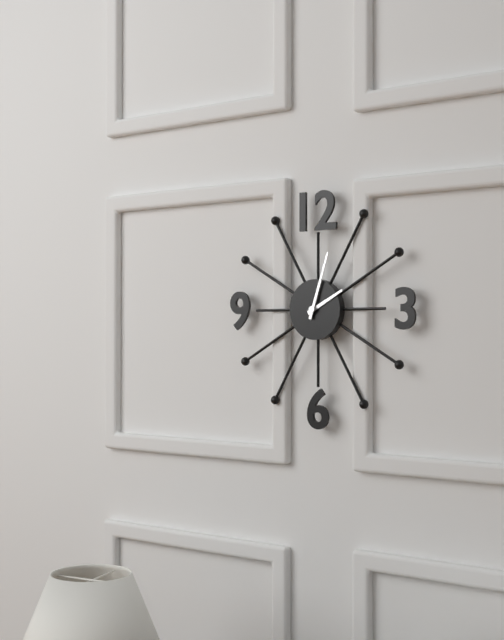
2,03
